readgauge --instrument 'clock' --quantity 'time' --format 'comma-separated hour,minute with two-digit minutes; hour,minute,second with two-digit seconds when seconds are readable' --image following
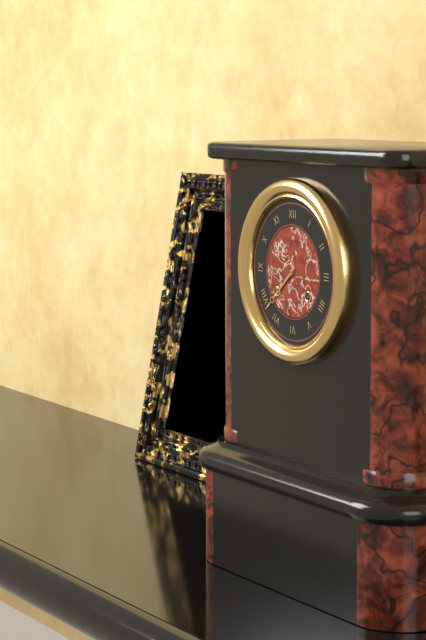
7,38
